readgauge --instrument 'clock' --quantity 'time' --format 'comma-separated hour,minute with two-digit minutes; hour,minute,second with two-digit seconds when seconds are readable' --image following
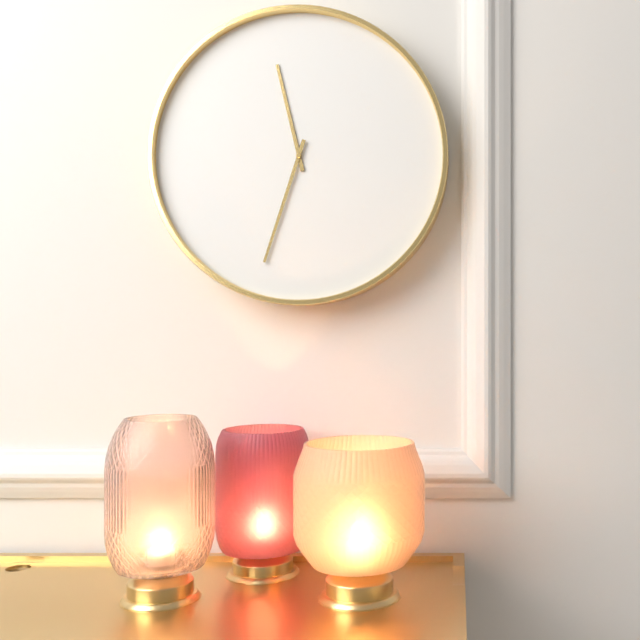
11,33
